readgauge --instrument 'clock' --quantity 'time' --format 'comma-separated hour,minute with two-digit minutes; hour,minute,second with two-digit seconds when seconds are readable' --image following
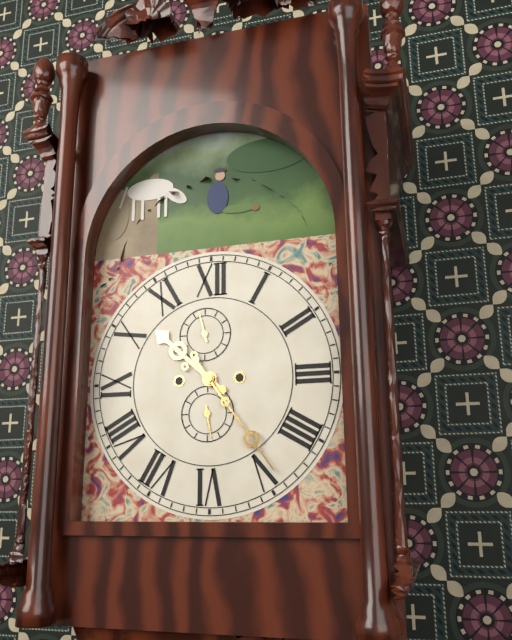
10,24
